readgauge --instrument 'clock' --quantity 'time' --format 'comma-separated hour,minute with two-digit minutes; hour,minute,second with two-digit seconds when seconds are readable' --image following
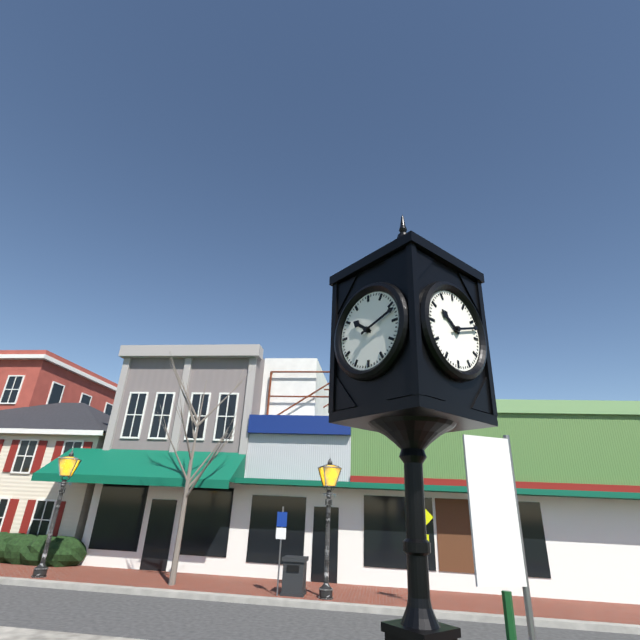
10,12
